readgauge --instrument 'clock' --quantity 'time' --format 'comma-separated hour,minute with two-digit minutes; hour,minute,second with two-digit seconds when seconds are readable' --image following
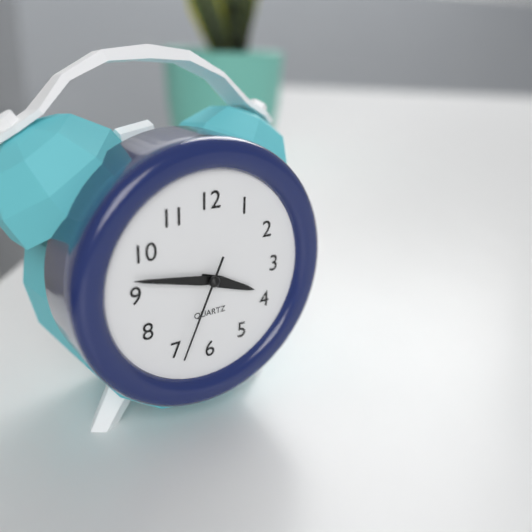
3,47,34
